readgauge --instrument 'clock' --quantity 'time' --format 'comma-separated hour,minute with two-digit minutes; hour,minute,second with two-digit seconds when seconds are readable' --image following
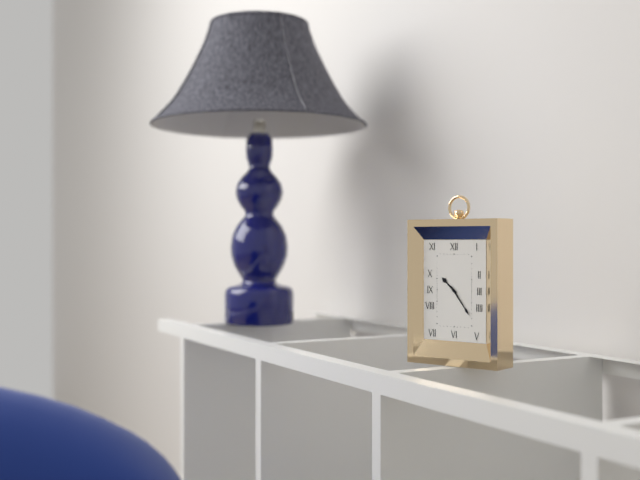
10,24
